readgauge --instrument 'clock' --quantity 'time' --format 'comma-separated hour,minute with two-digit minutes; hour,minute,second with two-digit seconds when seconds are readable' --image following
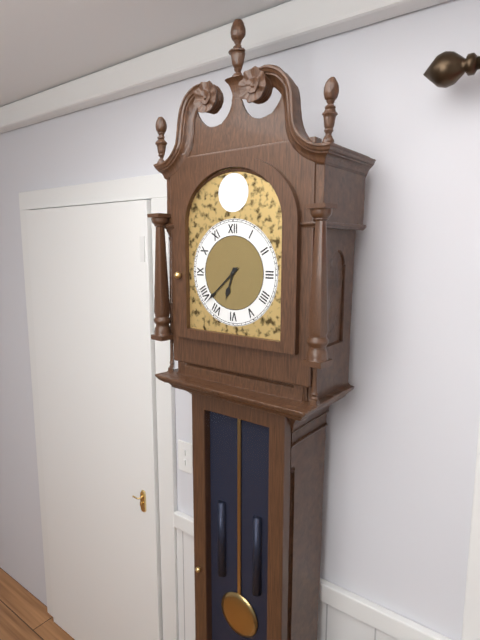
6,38
